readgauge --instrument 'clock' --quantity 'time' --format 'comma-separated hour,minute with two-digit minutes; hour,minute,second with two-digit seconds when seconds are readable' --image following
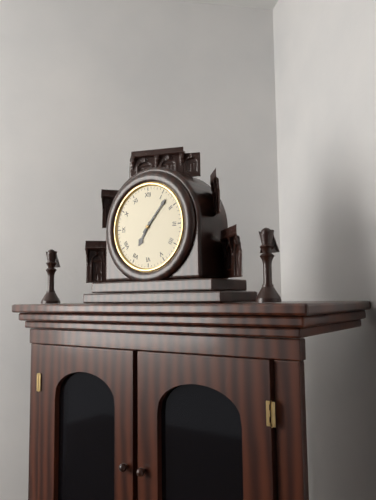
7,07
